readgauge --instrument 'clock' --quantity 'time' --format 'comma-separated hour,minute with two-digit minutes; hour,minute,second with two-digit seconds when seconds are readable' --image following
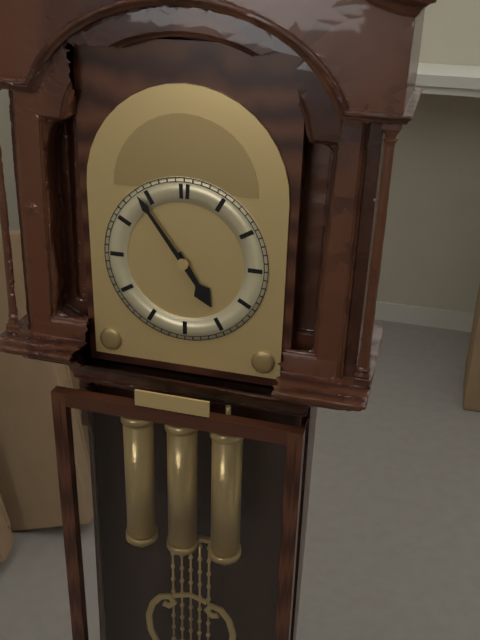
4,54
